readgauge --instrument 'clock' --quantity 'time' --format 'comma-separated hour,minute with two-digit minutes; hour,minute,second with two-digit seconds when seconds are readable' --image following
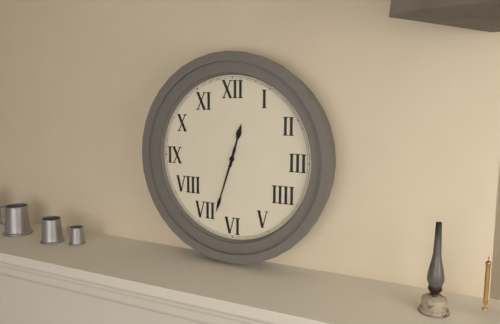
12,33
